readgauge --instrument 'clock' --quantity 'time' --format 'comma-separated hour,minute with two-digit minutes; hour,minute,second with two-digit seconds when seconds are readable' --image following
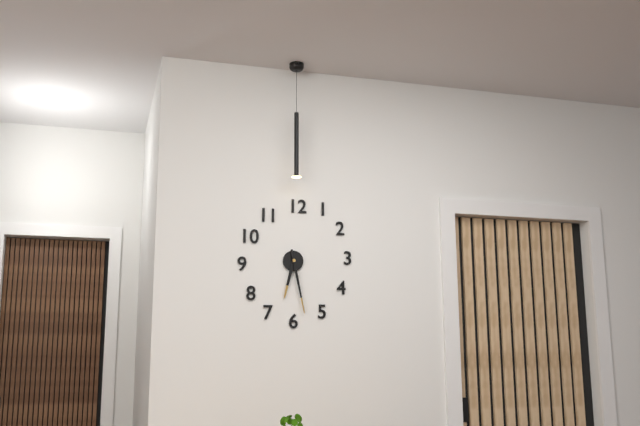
6,28
